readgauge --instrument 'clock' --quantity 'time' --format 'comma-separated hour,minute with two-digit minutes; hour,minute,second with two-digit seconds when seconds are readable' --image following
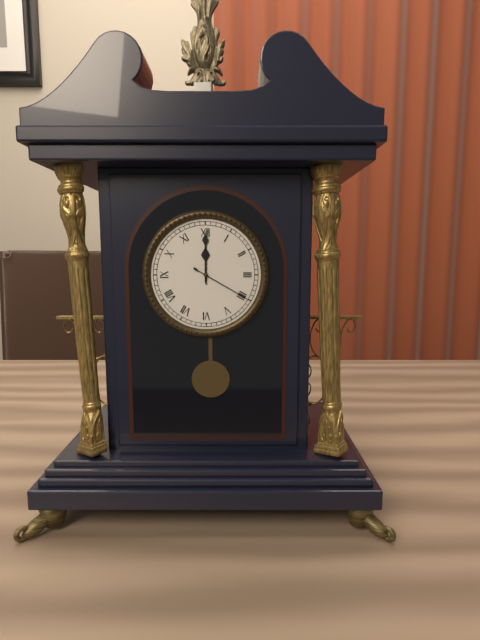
12,00,20
